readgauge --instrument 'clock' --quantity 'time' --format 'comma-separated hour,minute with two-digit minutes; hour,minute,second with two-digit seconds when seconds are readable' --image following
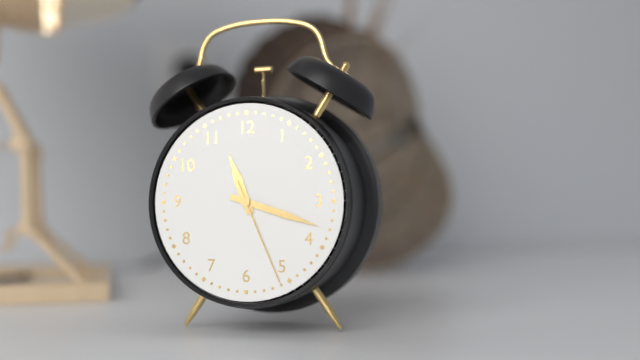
11,18,26
